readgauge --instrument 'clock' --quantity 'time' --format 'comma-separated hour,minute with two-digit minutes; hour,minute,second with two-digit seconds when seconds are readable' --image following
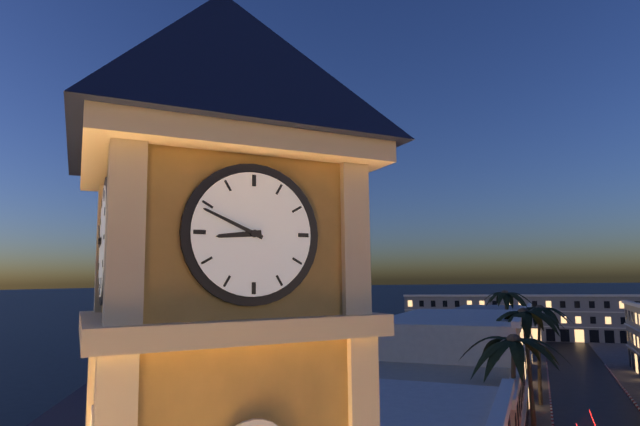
8,49
